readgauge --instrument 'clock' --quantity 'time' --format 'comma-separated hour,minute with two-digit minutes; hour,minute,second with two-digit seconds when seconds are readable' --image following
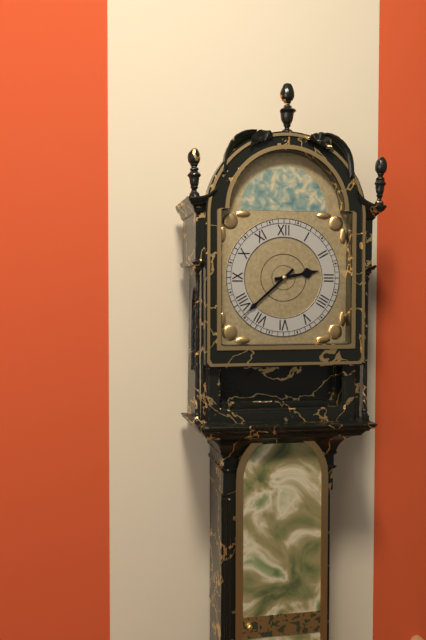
2,38
